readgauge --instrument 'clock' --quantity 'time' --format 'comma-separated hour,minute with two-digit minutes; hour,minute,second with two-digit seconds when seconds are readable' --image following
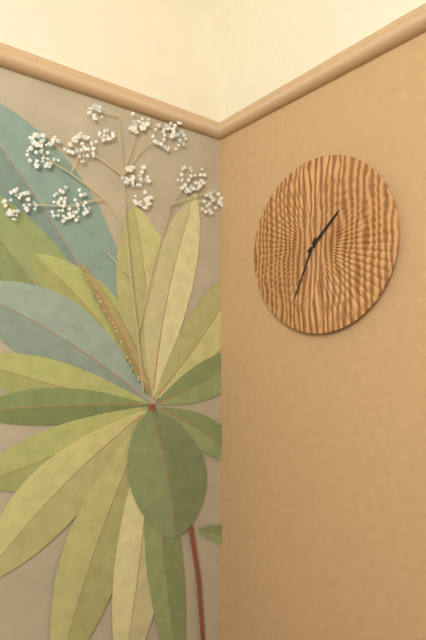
1,34
